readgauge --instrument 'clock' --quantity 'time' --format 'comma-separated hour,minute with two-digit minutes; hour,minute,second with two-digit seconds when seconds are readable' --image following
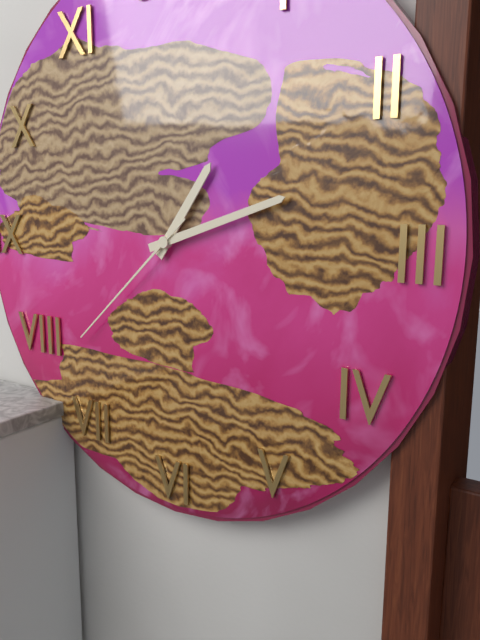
1,12,38
